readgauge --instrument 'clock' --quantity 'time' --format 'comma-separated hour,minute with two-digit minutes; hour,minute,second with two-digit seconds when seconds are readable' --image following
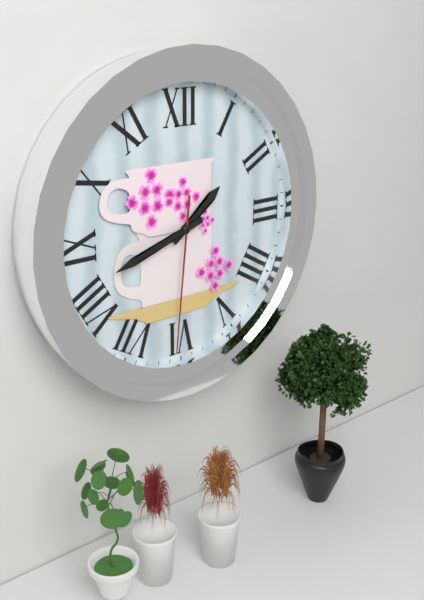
1,42,31
